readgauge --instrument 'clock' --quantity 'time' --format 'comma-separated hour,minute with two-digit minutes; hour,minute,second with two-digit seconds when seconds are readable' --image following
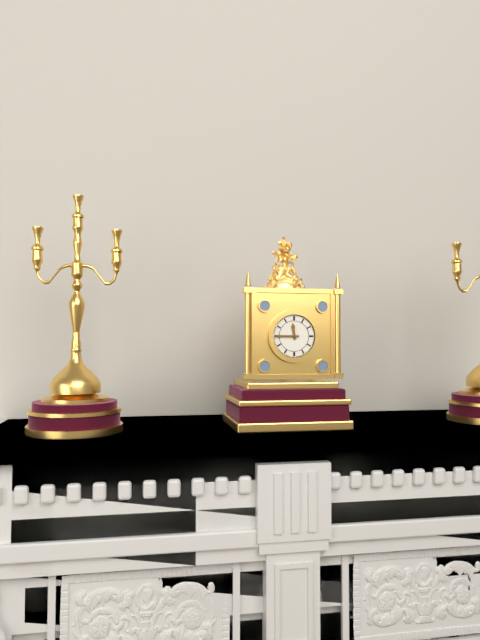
11,45
